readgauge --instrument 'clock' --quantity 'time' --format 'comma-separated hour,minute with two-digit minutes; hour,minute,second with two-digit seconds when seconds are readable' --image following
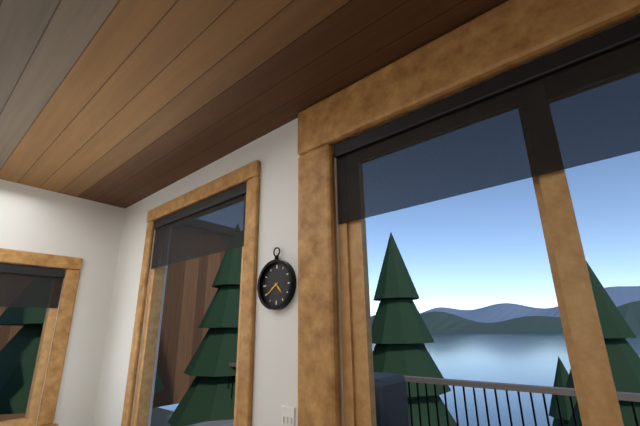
4,39
